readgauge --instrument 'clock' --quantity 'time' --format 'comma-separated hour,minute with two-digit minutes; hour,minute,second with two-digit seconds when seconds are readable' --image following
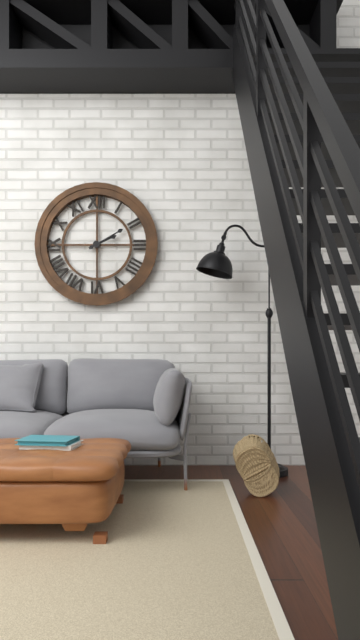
2,10
